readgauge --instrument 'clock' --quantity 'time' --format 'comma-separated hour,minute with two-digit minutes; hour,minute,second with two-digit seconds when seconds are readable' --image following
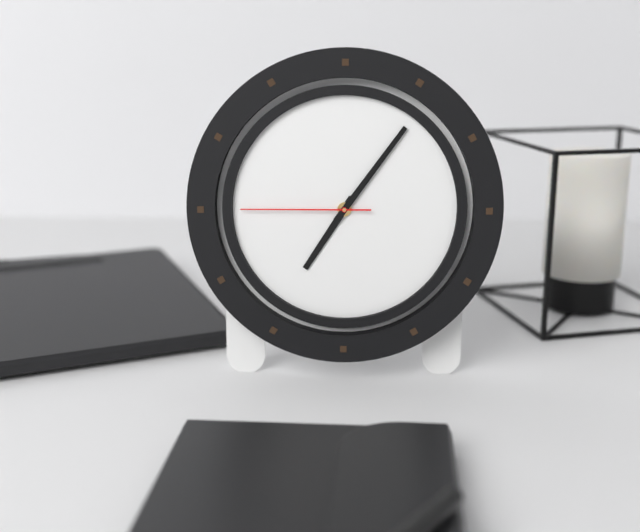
7,06,45
